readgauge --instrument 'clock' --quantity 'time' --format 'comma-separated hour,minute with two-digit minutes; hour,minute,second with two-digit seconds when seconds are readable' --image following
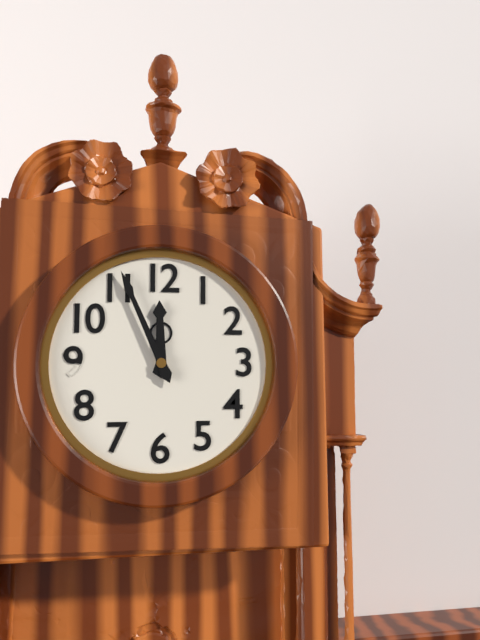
11,56
